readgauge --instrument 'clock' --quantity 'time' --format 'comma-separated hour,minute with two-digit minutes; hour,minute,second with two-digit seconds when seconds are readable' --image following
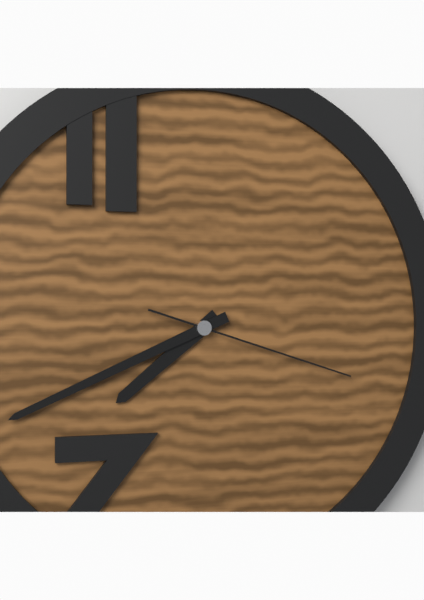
7,41,18
